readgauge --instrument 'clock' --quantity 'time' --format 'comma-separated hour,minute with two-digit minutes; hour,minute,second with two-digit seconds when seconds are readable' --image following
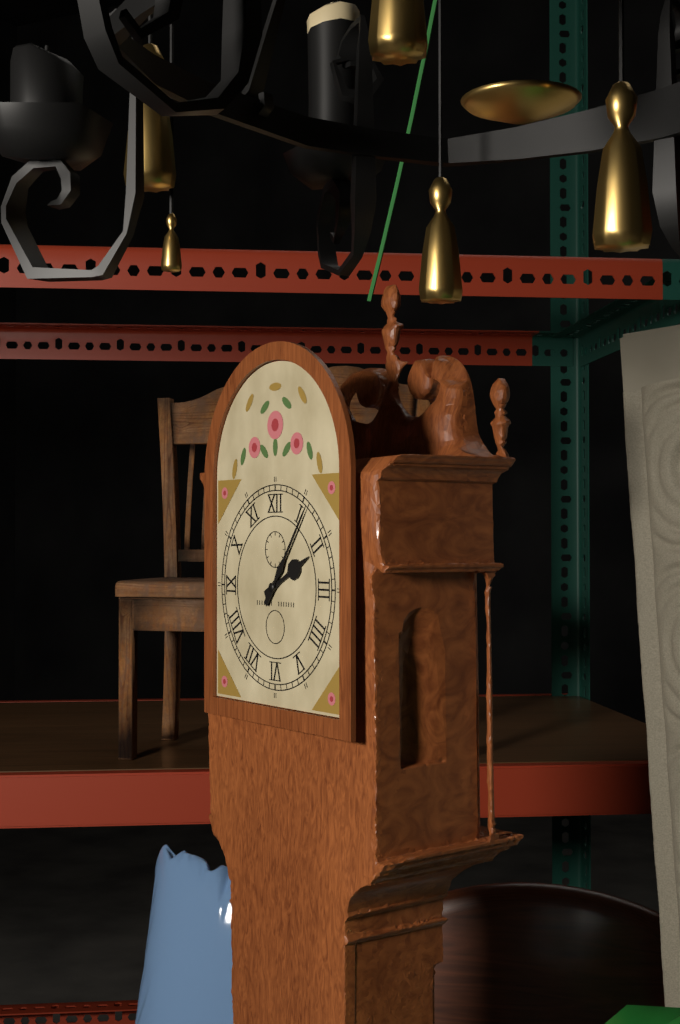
2,06
